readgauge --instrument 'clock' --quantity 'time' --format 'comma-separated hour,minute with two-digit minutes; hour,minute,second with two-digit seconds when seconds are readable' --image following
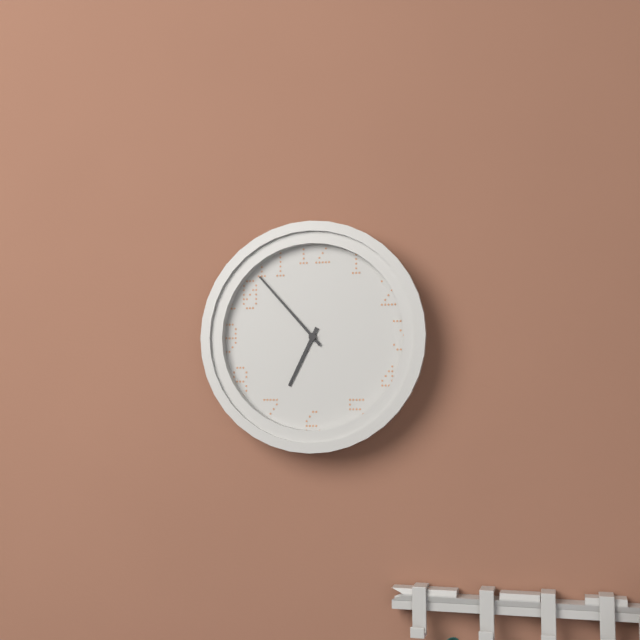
6,53
